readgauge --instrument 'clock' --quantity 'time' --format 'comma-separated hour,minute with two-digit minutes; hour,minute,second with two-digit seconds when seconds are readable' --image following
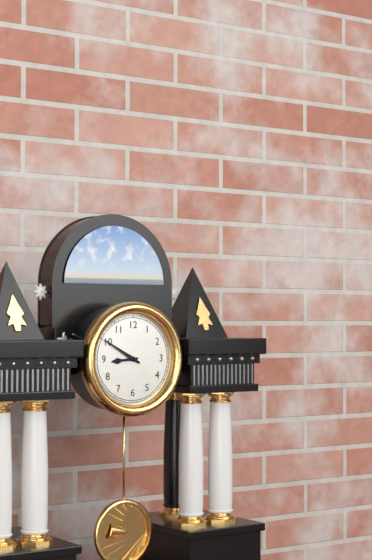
8,50
